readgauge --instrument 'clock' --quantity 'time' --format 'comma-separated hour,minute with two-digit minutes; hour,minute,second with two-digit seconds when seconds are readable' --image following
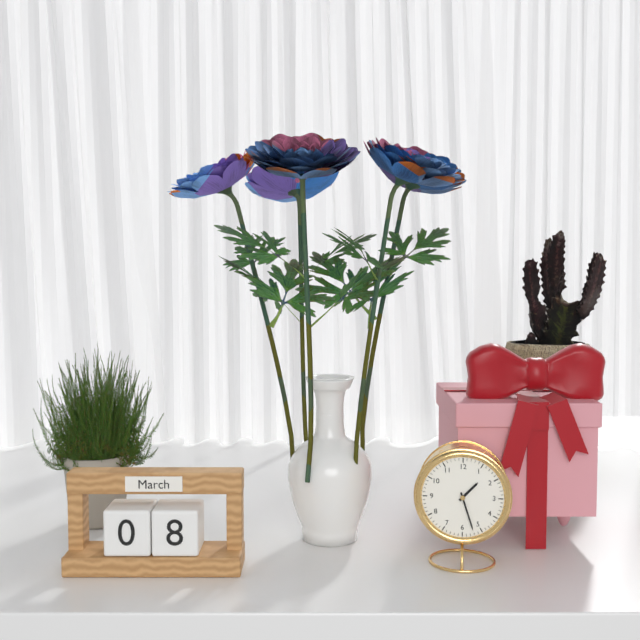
1,27
